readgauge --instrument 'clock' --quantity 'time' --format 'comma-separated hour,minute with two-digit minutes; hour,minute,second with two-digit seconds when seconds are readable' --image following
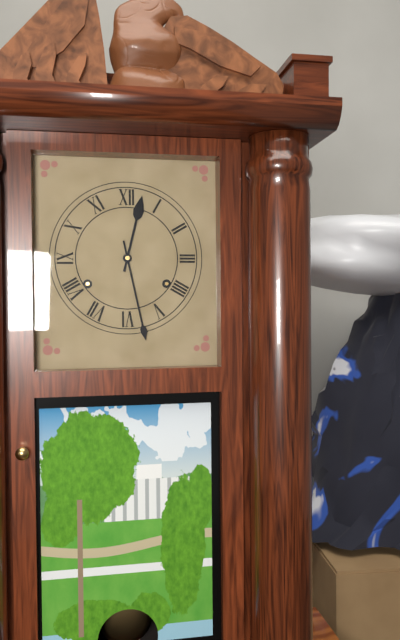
12,28
